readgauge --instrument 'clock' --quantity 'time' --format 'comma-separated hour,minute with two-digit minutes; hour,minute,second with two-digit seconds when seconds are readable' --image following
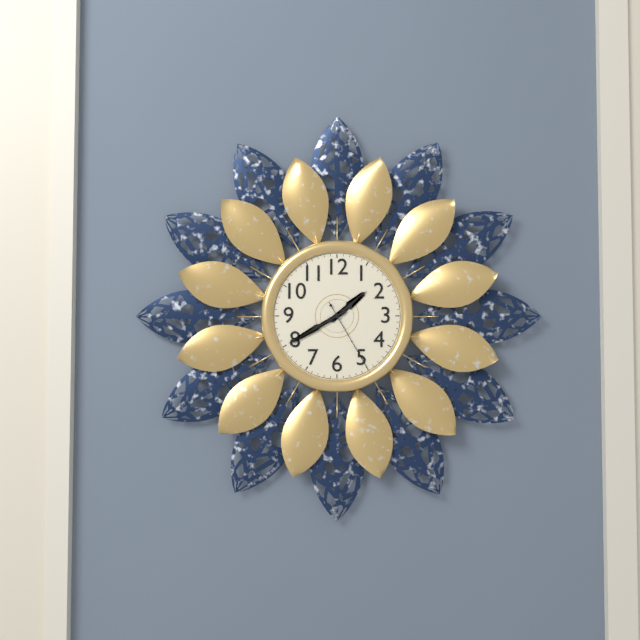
1,40,25
